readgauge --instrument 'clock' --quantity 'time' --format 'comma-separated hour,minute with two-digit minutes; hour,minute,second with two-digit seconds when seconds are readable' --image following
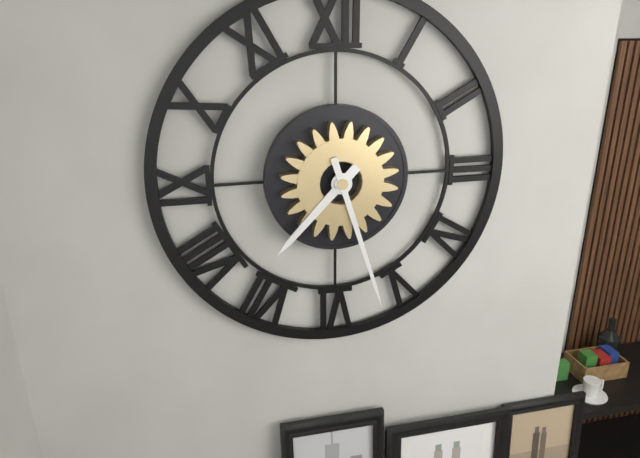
7,27
